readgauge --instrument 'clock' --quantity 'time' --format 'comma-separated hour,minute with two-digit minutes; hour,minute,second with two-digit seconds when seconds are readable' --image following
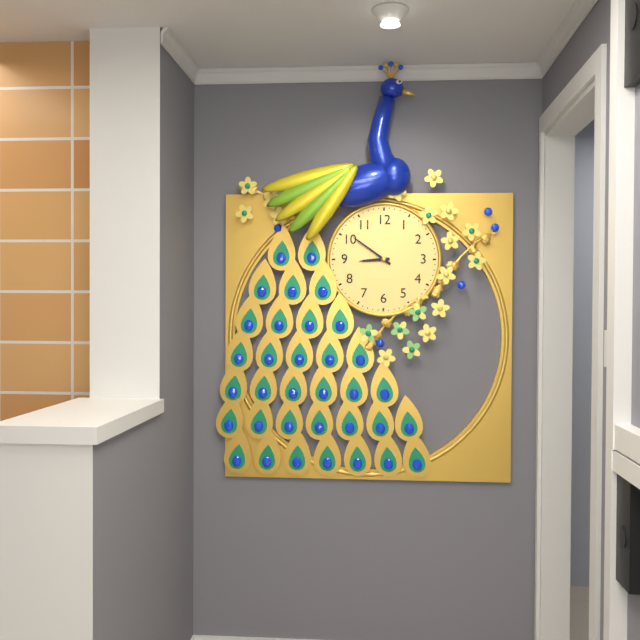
8,51
